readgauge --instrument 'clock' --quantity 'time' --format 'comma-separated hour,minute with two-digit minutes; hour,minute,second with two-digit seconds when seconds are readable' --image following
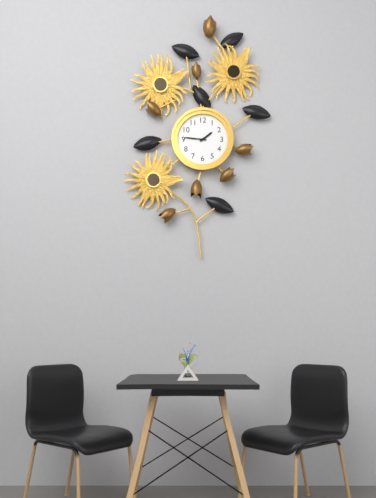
1,46
